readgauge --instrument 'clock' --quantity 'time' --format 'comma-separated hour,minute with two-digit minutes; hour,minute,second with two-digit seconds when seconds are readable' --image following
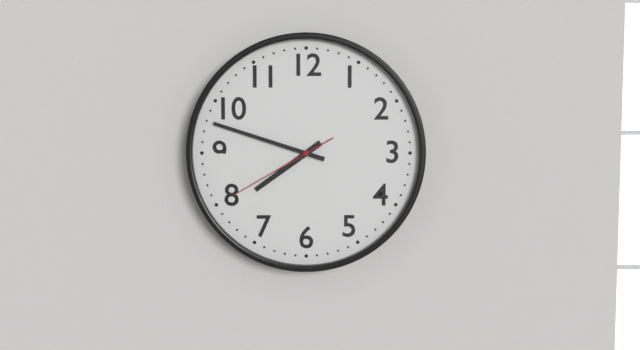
7,48,40
